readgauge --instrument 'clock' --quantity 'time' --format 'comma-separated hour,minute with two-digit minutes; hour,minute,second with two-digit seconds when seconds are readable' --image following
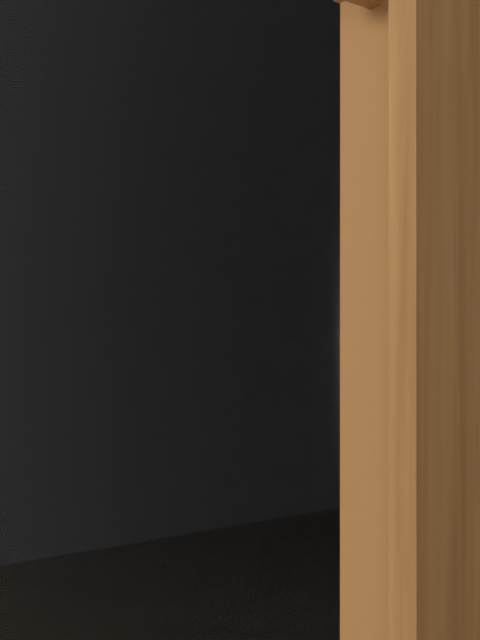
6,24
